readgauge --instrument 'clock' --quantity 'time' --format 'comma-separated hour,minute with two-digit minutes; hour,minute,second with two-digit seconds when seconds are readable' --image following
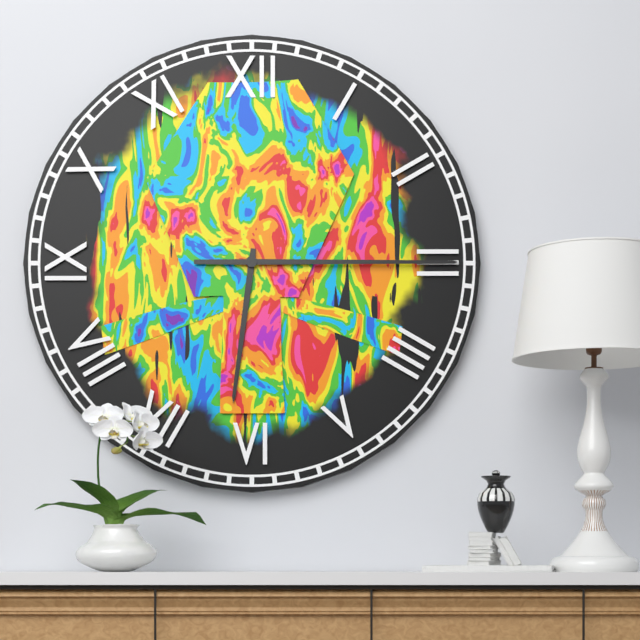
6,15
